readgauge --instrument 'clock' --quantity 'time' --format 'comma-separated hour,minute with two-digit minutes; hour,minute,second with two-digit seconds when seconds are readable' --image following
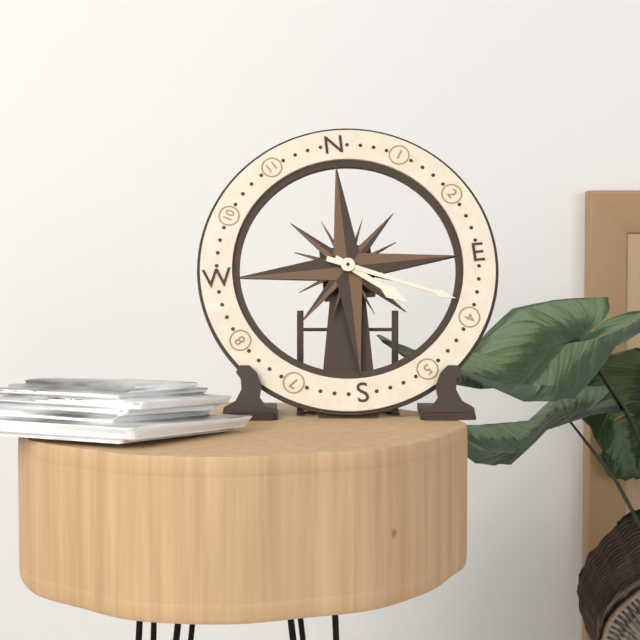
4,19
